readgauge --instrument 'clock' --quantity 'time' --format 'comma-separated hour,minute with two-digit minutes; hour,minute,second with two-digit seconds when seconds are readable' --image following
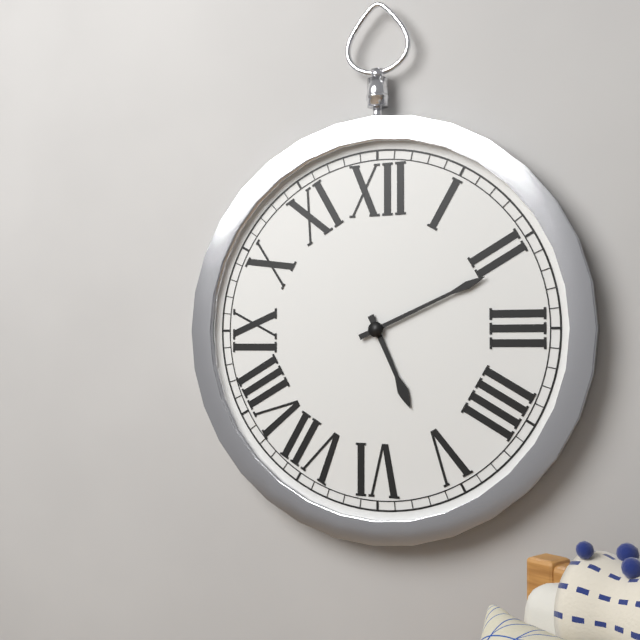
5,11
